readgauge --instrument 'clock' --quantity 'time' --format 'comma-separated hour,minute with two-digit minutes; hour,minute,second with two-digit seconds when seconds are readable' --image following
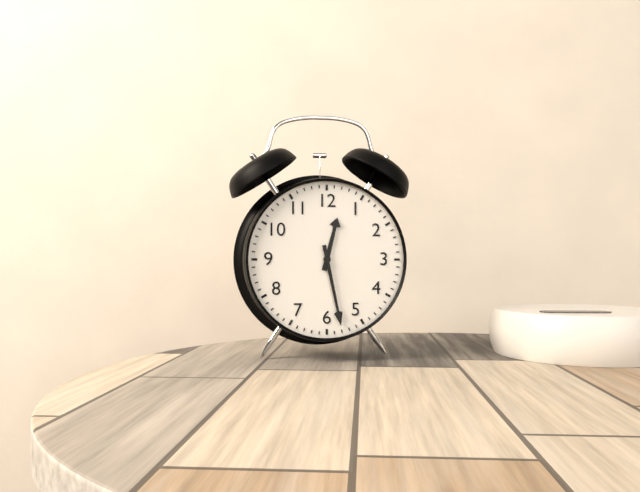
12,28
